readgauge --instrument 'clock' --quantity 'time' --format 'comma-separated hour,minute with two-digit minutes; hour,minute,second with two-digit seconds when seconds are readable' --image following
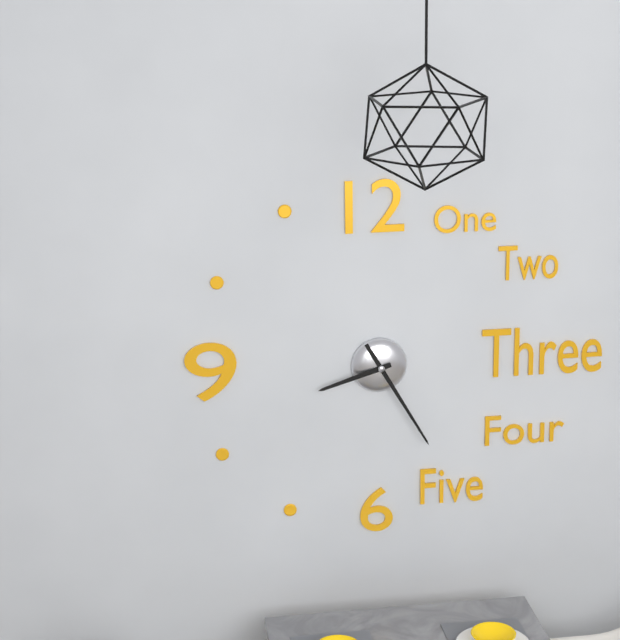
8,25
